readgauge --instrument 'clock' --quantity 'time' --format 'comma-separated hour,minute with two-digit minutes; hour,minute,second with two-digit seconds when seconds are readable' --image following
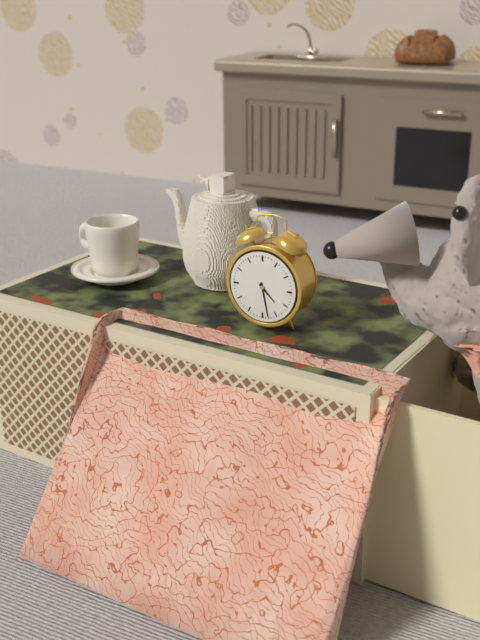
4,28
